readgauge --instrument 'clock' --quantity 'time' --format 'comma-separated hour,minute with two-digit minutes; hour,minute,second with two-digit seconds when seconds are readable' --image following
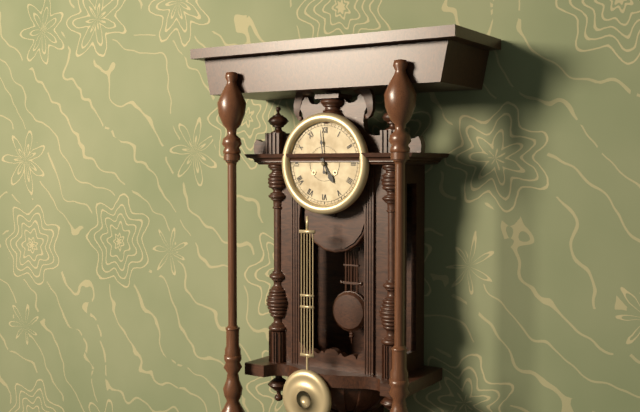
4,59
